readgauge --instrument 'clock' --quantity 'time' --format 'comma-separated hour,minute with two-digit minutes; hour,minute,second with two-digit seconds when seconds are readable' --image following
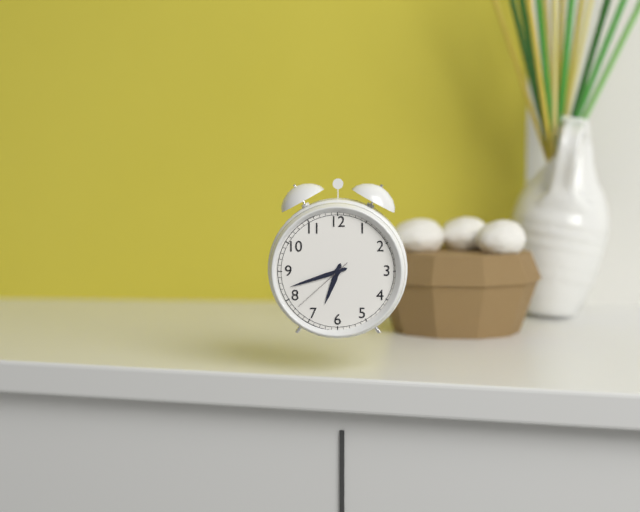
6,42,38
